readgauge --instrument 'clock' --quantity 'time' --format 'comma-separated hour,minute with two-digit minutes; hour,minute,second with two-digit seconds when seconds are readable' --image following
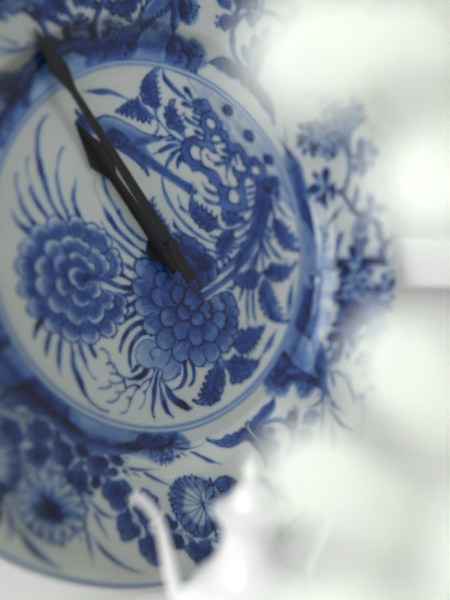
10,55
